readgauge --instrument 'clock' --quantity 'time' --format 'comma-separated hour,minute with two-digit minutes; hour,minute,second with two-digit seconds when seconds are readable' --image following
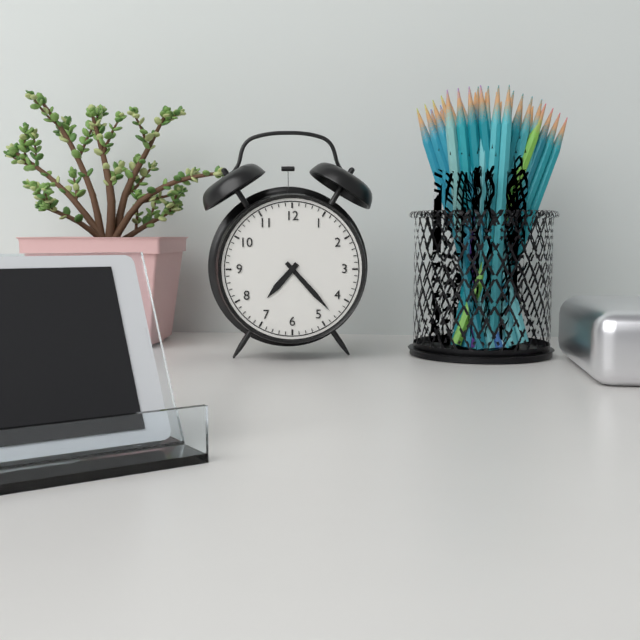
7,23
